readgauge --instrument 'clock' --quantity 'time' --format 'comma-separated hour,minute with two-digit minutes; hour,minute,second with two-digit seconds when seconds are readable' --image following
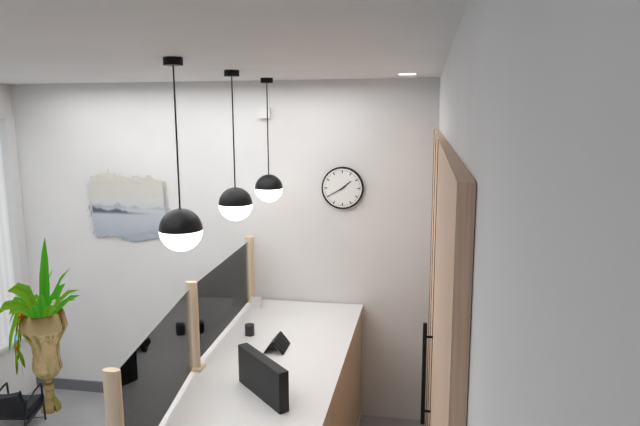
1,40
